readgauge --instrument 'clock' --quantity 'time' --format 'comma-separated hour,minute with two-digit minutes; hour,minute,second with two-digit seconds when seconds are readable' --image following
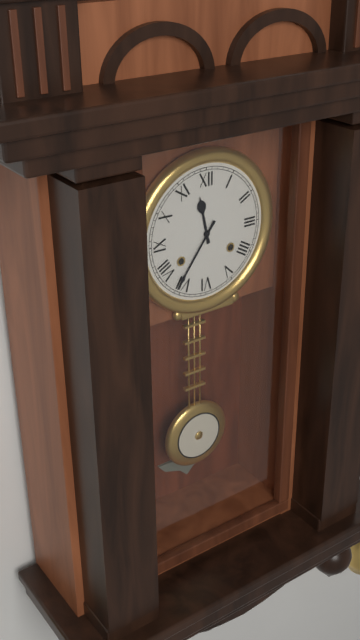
11,36
